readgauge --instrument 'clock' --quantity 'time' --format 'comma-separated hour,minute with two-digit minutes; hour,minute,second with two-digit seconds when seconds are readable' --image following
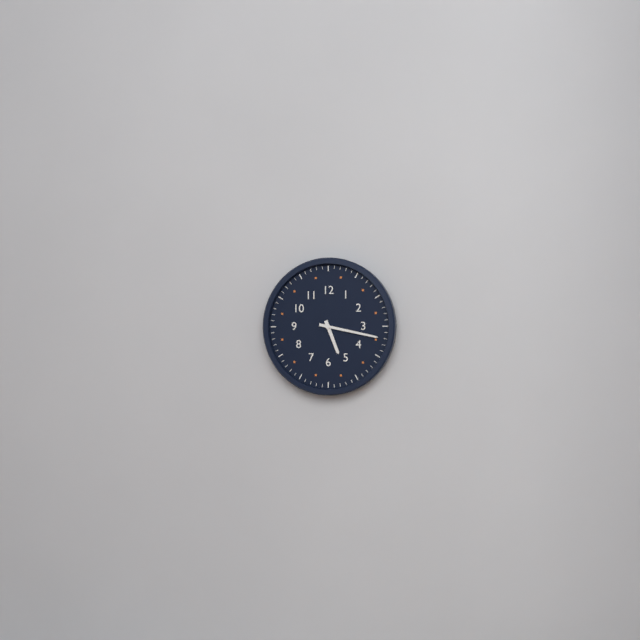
5,17
